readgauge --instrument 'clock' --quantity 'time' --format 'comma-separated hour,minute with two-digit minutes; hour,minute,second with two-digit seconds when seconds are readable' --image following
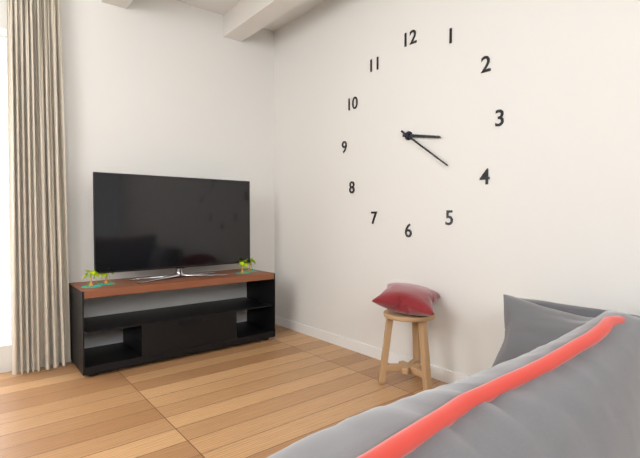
3,21
